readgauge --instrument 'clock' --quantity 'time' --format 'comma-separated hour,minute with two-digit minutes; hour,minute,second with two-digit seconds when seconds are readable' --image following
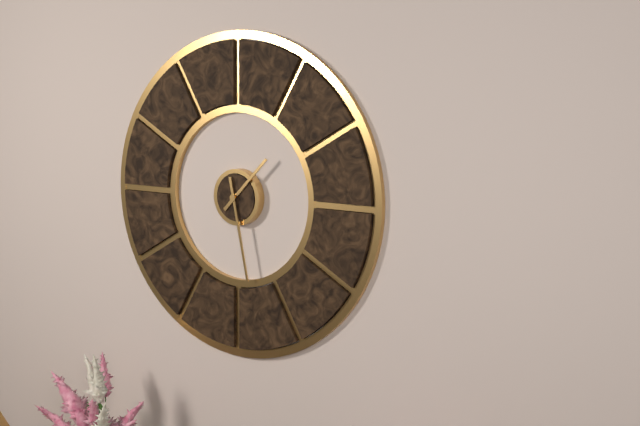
1,28
